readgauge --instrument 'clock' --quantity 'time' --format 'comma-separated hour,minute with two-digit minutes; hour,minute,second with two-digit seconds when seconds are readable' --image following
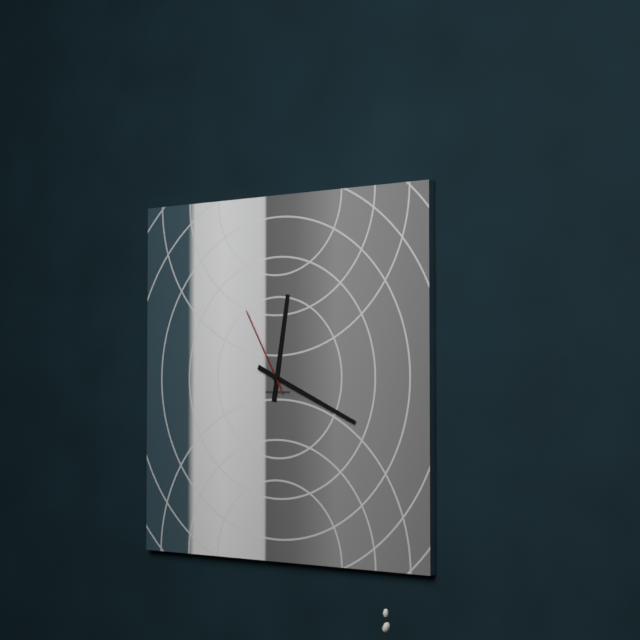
12,19,55
